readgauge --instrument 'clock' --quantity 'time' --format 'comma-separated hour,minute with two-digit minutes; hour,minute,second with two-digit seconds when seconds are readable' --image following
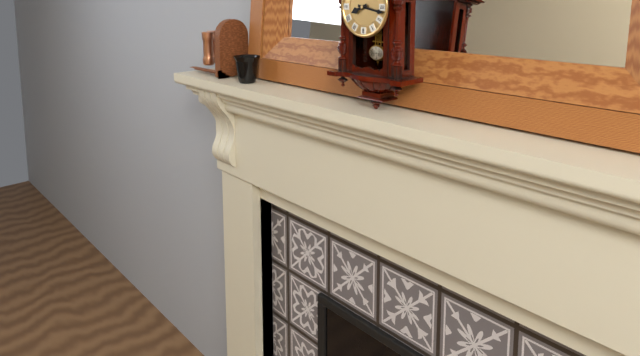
8,17
